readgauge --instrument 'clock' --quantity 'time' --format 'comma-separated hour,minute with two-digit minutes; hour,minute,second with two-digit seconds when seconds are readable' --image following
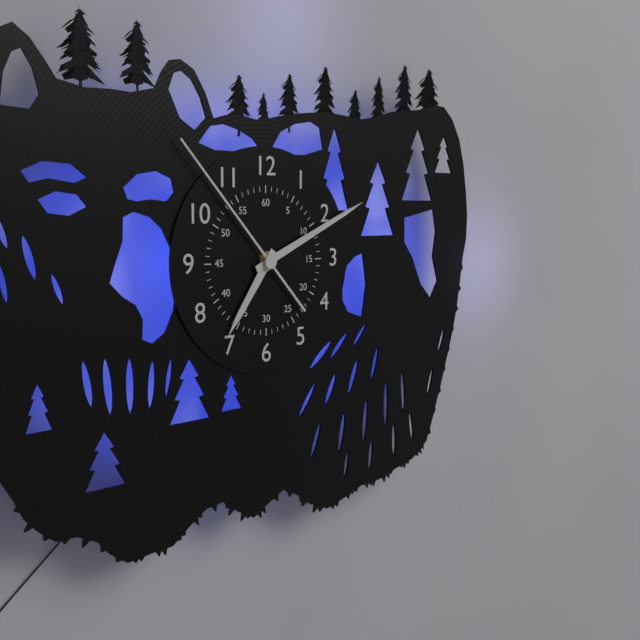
7,11,53
